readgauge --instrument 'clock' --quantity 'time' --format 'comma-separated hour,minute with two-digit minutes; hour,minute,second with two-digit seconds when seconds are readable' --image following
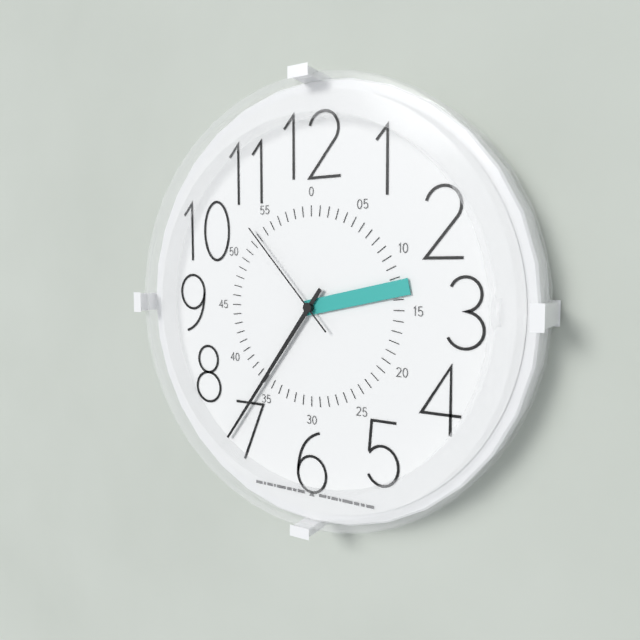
2,36,53
